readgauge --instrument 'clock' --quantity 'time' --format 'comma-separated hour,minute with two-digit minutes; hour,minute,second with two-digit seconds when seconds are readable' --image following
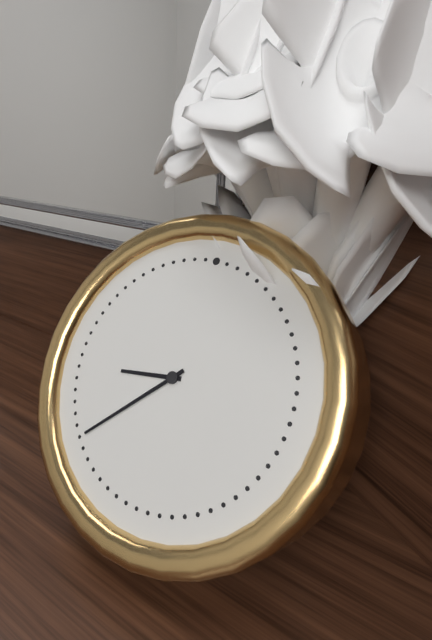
8,37
